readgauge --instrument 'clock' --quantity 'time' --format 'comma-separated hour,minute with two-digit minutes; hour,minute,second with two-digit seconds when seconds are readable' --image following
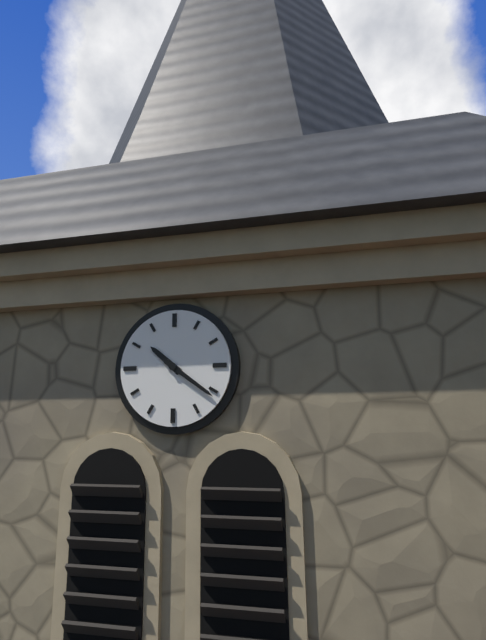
10,21
